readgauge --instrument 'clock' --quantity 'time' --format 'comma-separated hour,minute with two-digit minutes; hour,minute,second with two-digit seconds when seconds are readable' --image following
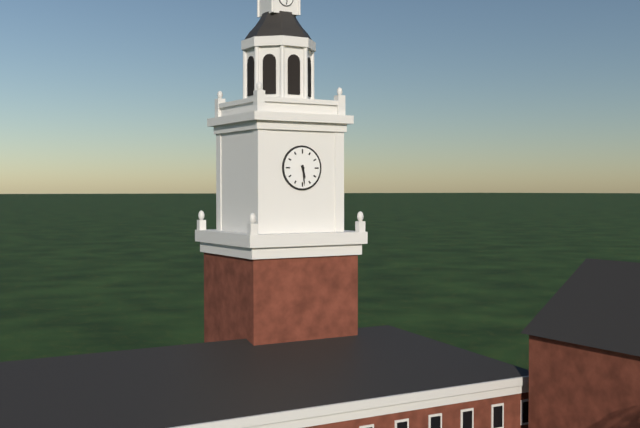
5,29
